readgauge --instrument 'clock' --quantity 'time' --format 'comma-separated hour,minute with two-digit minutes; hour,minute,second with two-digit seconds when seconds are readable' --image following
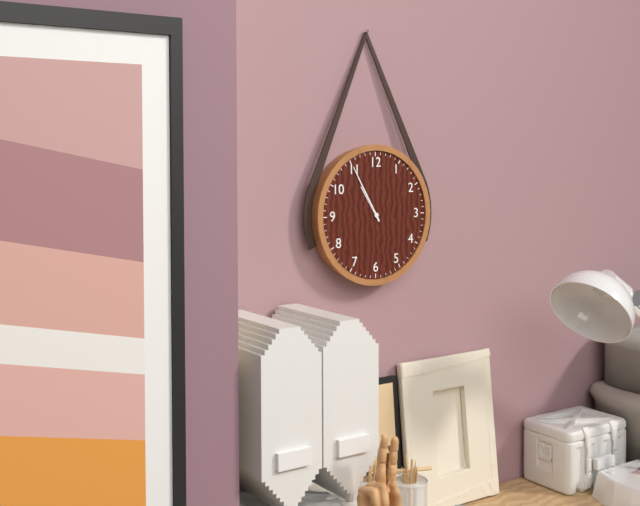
10,55
